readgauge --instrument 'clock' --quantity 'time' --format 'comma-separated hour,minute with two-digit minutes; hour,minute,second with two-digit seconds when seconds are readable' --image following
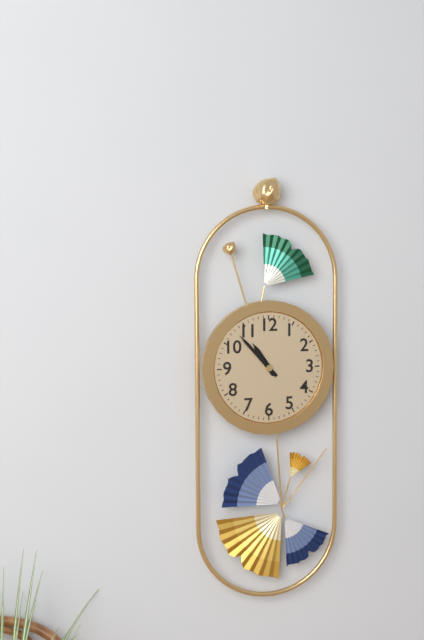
10,53
